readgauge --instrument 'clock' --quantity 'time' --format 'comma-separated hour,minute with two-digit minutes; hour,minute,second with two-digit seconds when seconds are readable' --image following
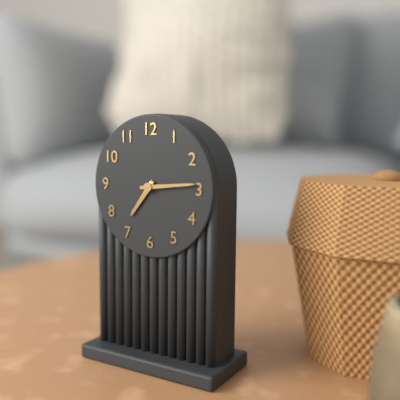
7,14
